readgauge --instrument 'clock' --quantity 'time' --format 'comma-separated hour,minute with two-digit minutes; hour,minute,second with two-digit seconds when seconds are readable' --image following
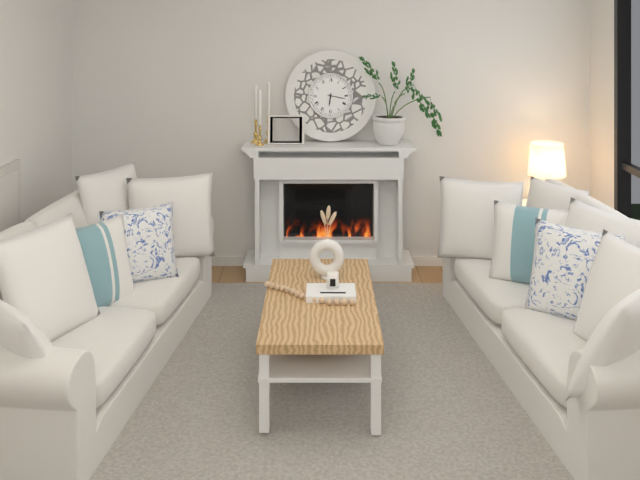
6,17
